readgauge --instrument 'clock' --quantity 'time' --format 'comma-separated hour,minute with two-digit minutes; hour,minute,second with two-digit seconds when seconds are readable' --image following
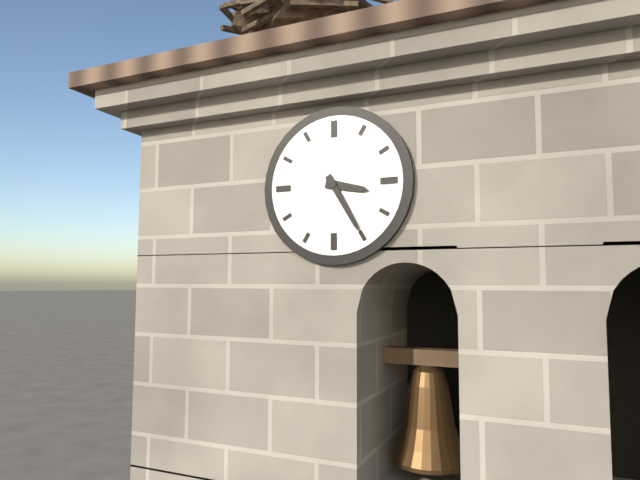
3,25
